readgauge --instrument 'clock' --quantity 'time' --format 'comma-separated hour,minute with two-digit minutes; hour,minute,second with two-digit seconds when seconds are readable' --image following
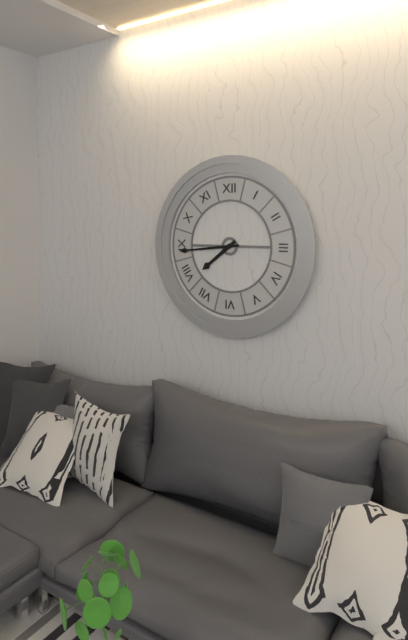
7,44
